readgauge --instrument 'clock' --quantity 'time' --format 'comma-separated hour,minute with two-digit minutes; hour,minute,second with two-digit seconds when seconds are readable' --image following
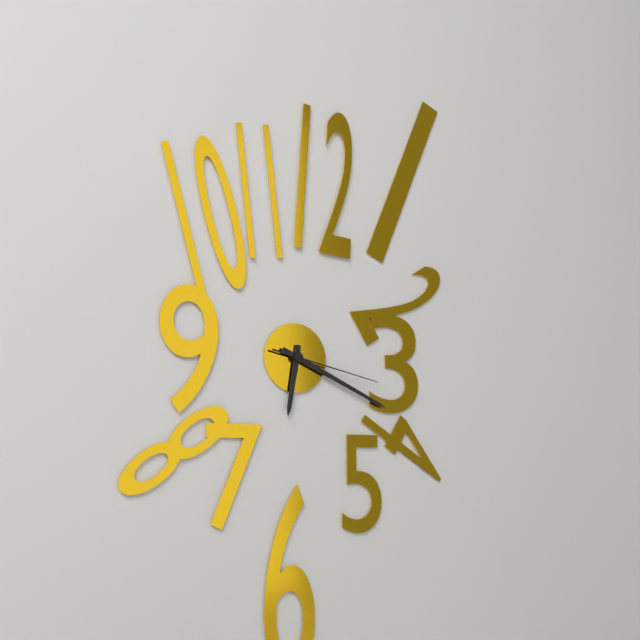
6,19,17
